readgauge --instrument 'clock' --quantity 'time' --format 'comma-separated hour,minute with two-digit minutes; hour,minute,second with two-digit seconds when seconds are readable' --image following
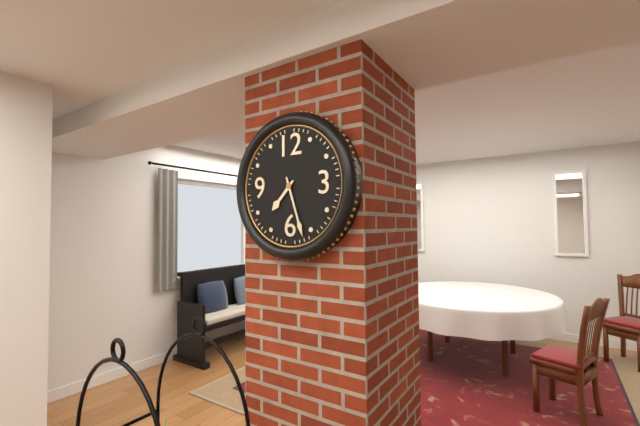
7,27
